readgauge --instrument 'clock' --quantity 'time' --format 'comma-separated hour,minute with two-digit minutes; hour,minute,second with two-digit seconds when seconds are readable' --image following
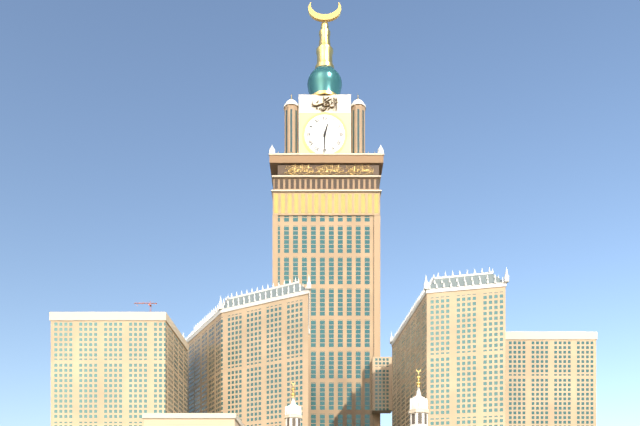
12,30
